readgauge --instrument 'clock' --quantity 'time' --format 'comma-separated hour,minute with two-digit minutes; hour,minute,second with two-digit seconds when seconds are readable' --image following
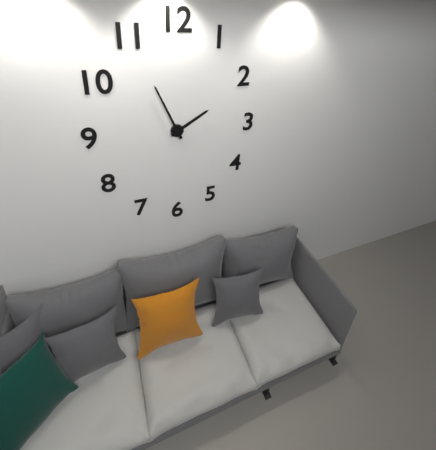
1,56
